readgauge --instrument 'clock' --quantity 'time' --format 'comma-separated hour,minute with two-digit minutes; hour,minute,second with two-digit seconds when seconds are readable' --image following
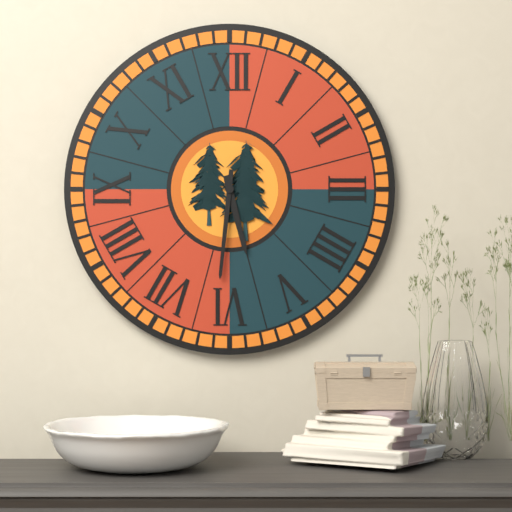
5,31
